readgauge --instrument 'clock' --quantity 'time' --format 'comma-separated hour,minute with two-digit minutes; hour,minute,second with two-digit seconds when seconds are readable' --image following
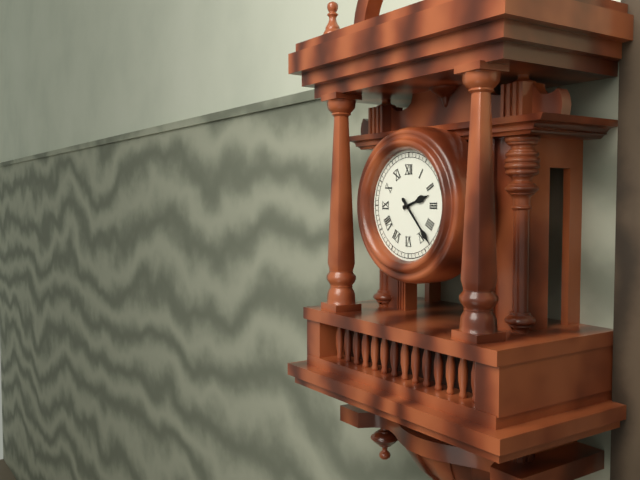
2,23
